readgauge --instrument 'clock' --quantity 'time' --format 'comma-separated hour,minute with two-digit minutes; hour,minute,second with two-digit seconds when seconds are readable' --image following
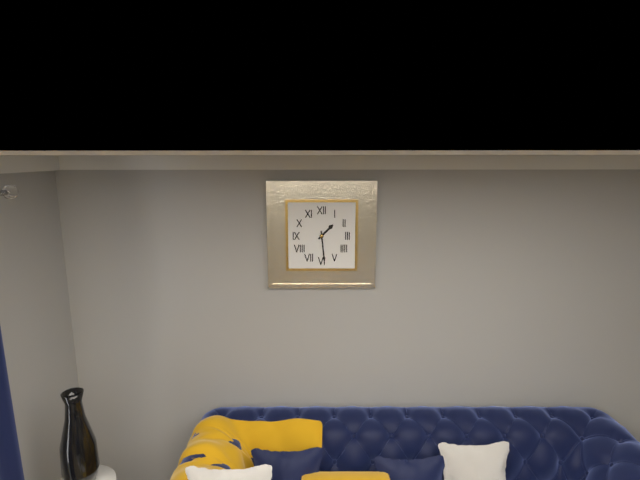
1,29
